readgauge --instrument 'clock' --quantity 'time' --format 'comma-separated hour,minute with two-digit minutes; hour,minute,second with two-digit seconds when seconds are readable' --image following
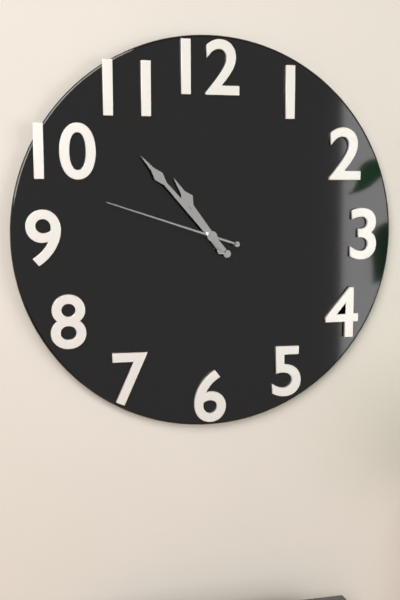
10,53,48
